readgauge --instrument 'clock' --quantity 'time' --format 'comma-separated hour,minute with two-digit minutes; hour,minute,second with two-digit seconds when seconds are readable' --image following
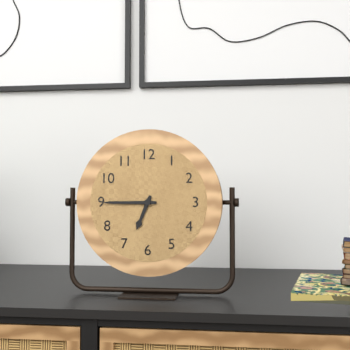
6,45
